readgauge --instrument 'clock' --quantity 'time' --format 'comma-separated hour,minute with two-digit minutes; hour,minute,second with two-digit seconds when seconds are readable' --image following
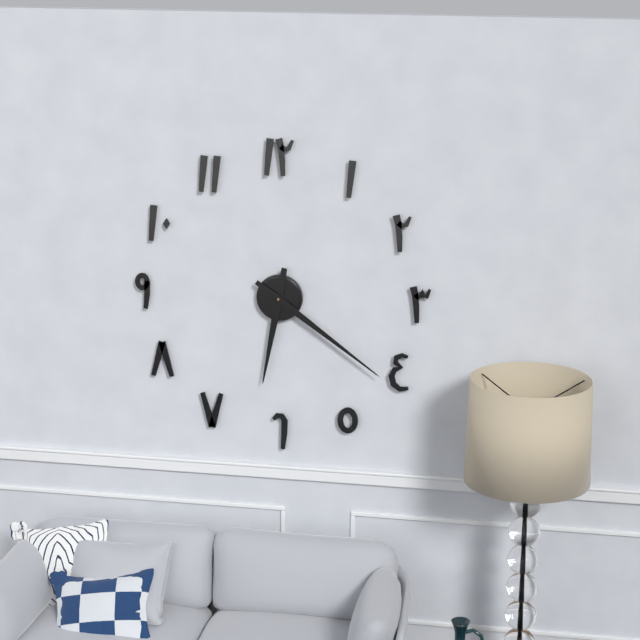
6,21
